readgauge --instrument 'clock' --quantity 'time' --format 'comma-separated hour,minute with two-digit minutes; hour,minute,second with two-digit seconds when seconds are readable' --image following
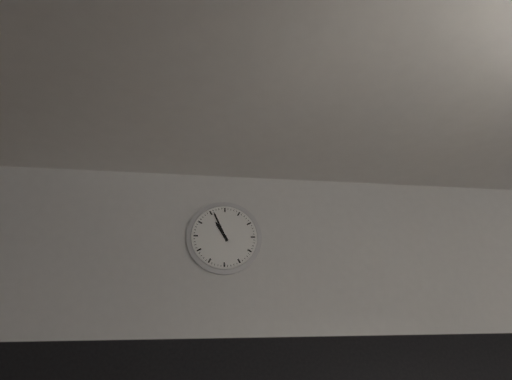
10,56
